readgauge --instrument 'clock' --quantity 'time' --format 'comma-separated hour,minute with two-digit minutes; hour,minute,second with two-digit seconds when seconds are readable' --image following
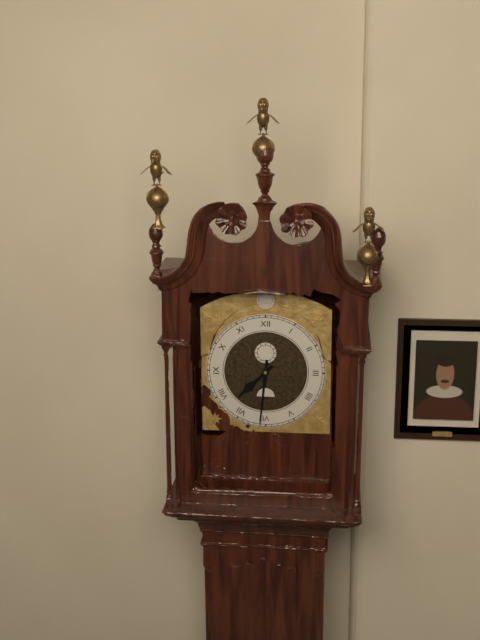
7,31
